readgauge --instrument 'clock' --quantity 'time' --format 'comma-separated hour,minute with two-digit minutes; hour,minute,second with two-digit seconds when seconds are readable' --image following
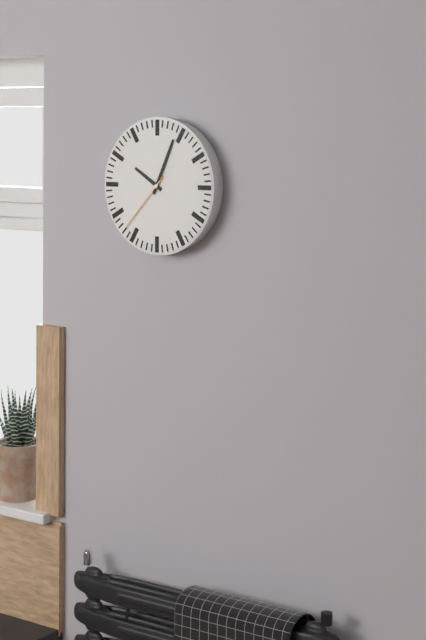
10,04,37
